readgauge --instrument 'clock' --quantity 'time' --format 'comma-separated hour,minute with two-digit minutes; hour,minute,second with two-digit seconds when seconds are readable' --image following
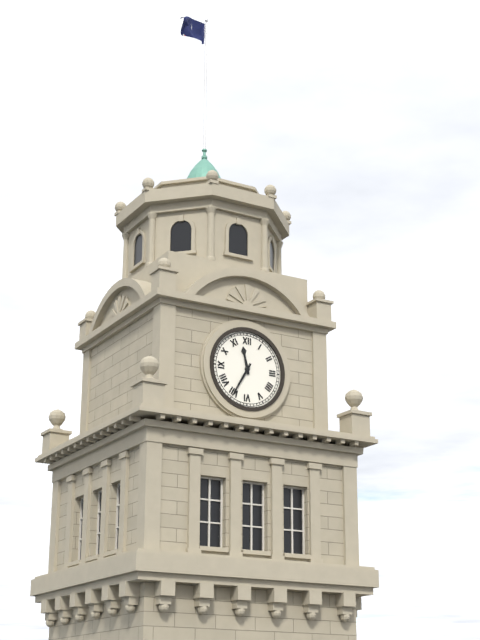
11,35
